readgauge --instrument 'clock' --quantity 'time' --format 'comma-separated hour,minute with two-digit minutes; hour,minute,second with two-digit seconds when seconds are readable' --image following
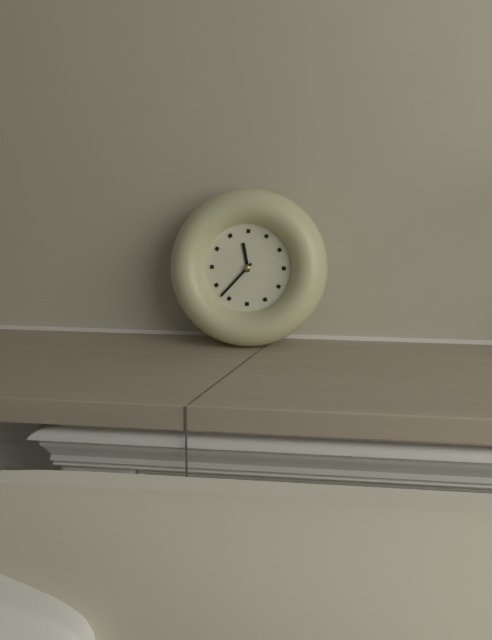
11,37
